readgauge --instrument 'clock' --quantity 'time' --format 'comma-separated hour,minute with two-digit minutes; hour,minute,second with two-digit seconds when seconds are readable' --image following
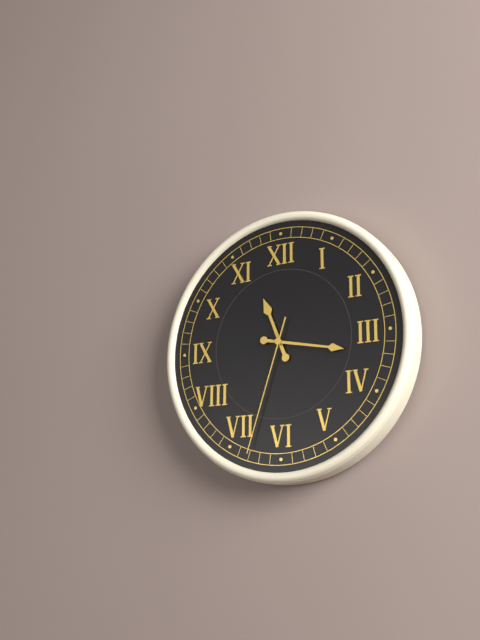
11,17,33
